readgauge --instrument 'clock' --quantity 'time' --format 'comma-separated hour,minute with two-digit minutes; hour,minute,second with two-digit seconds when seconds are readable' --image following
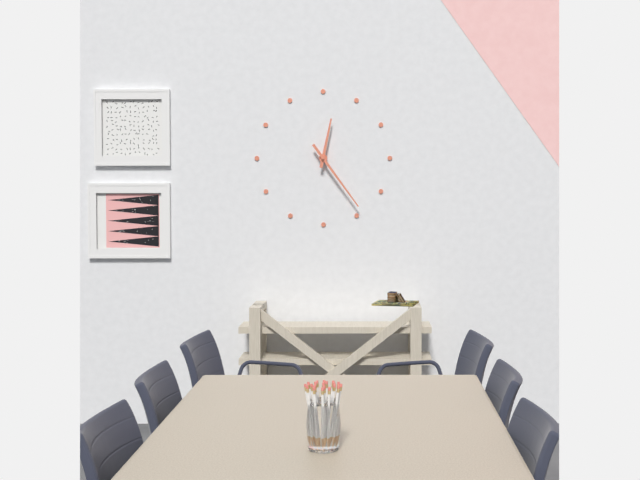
12,24
